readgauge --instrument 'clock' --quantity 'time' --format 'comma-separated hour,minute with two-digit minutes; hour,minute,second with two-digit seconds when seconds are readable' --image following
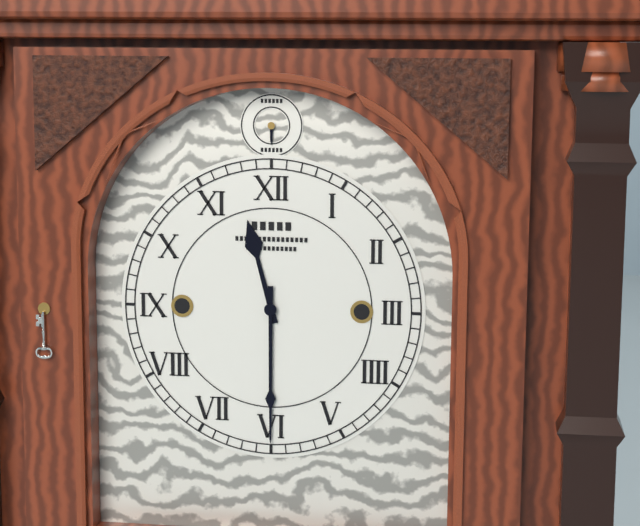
11,30
